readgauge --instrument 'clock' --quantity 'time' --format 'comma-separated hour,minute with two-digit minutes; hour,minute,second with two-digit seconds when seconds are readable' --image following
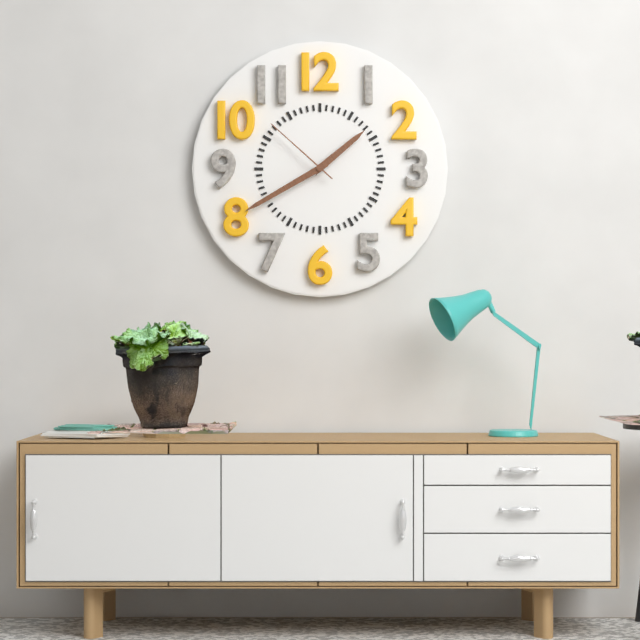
1,40,52
